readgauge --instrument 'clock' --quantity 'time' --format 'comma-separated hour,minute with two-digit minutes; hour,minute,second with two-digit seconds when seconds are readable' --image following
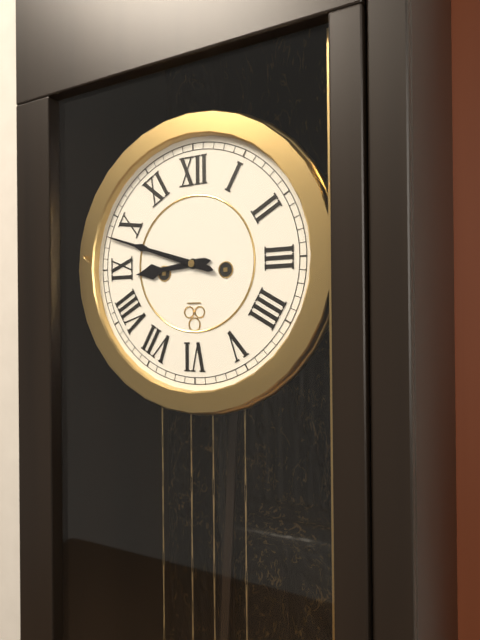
8,48
